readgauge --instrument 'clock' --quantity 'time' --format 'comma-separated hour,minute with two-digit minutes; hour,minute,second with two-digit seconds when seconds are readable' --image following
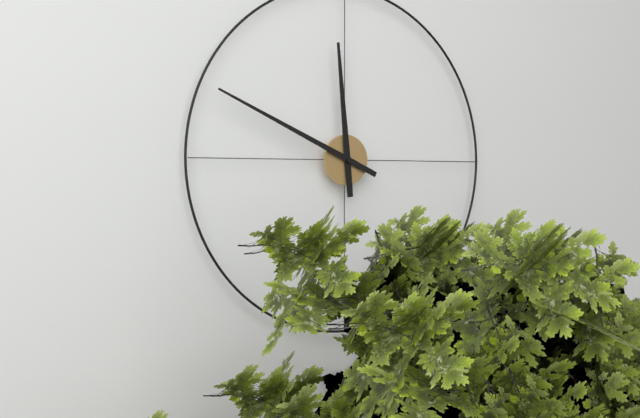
11,49
